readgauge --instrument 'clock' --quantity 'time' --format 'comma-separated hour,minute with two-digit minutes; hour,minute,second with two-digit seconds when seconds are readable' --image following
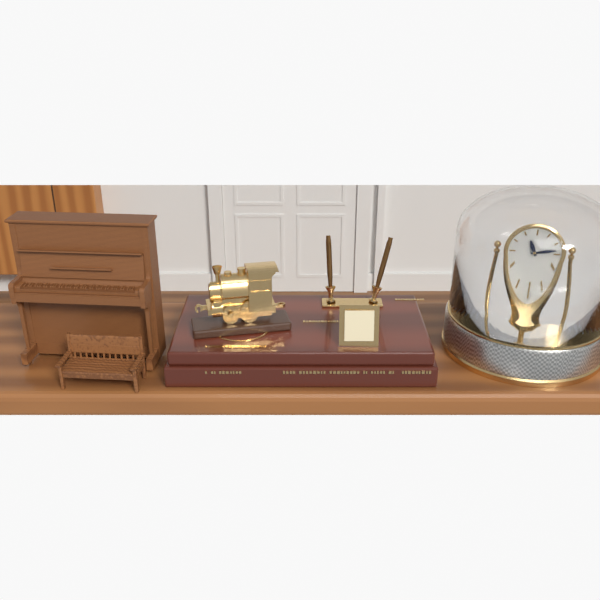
11,13
